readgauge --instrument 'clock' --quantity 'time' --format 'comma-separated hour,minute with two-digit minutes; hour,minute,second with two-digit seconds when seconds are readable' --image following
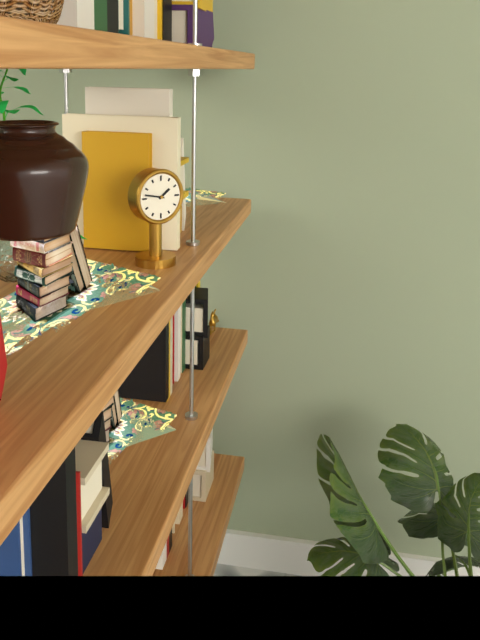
1,47
